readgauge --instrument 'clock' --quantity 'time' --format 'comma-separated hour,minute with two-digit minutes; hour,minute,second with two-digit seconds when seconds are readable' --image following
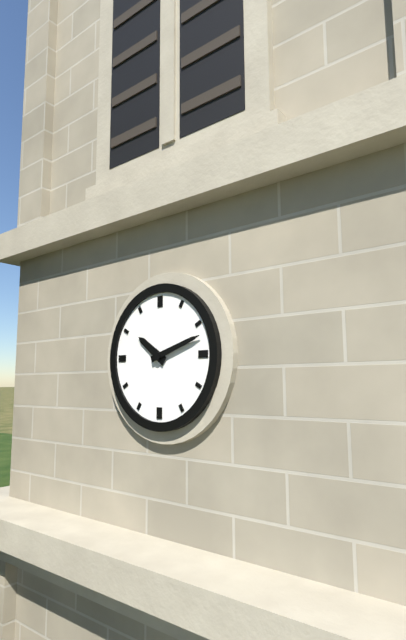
10,12
